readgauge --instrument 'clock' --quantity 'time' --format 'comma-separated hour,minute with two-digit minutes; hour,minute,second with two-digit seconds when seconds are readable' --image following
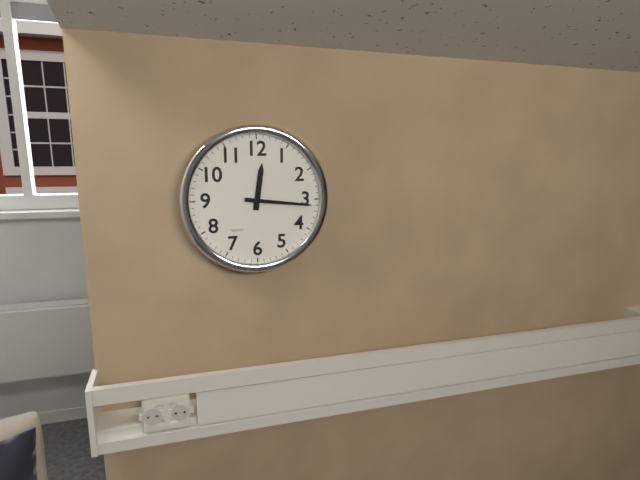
12,16
